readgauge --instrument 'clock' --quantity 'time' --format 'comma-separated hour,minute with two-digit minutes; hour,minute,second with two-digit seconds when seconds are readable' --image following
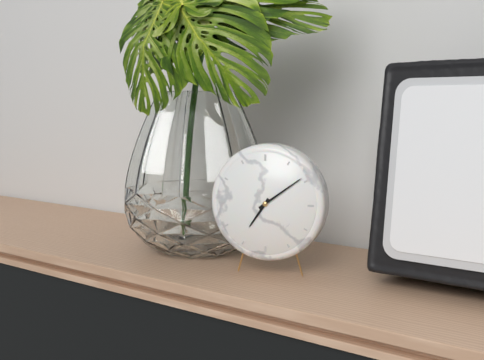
7,09
